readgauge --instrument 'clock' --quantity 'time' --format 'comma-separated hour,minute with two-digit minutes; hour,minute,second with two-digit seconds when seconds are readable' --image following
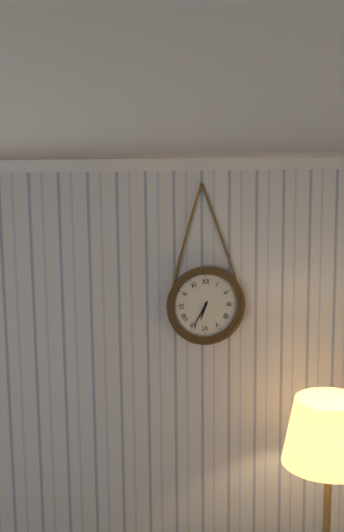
6,35
